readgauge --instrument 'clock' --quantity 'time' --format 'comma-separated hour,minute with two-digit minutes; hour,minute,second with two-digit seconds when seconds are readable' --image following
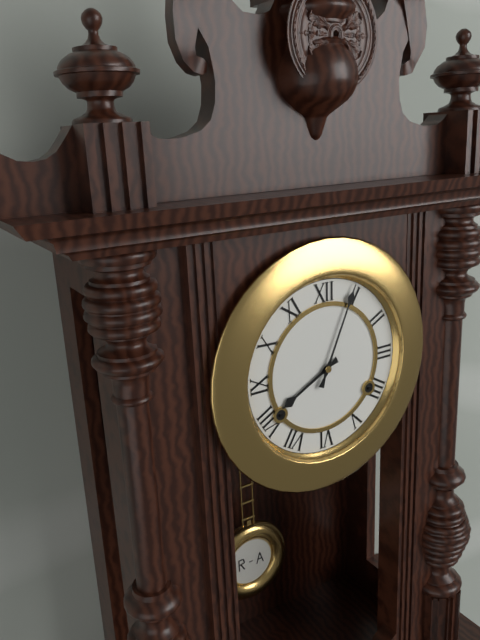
8,04
